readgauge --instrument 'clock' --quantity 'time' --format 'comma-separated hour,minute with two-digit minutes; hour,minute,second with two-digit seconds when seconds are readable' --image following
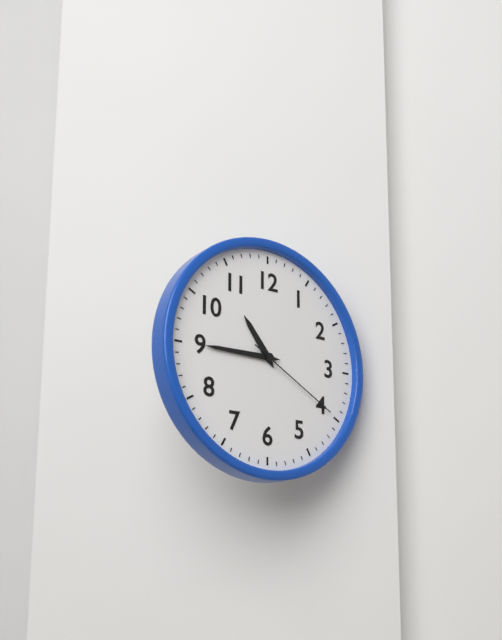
10,45,20
